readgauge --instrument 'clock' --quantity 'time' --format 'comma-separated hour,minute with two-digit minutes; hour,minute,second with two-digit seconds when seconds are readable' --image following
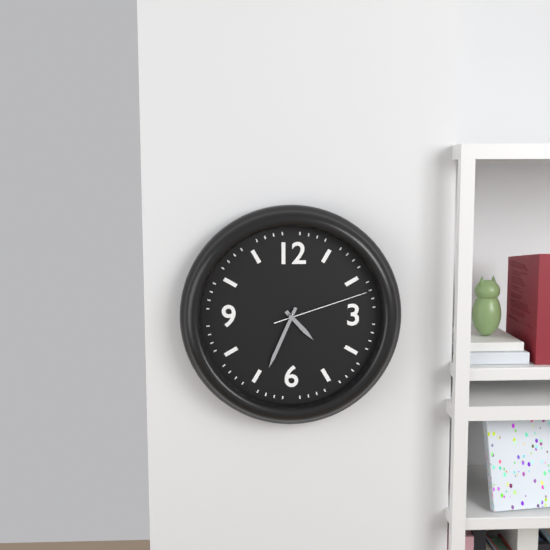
4,34,12
